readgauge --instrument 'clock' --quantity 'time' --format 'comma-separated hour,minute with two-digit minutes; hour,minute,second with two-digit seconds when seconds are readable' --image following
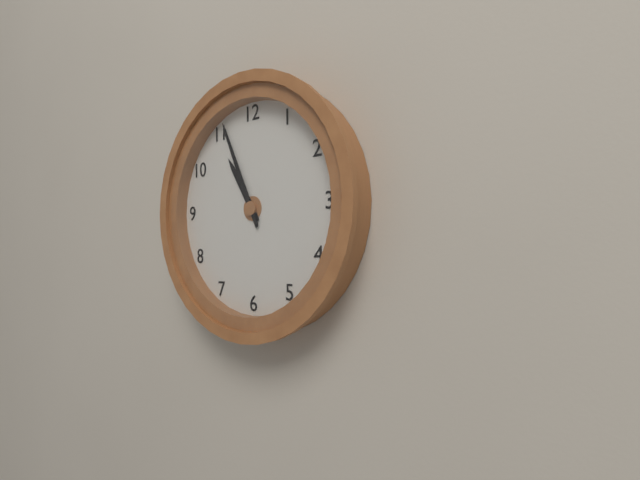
10,56
